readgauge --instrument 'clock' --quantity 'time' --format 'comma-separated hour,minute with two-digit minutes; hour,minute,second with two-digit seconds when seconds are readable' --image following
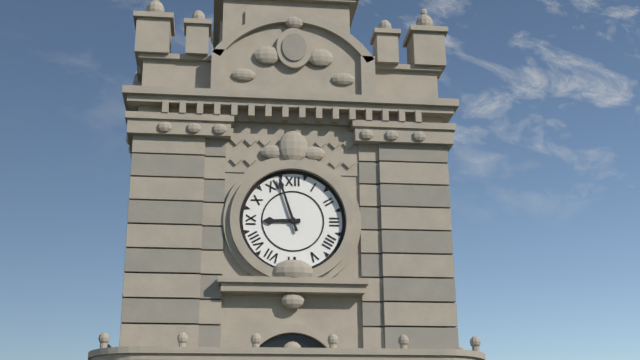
8,57
